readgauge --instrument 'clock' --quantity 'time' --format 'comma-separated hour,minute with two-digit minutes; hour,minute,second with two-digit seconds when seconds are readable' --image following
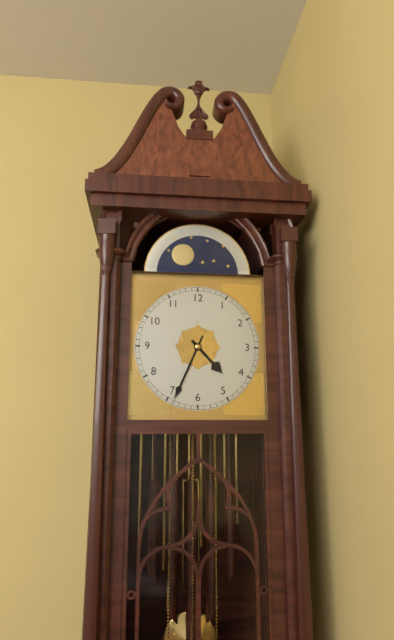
4,34
